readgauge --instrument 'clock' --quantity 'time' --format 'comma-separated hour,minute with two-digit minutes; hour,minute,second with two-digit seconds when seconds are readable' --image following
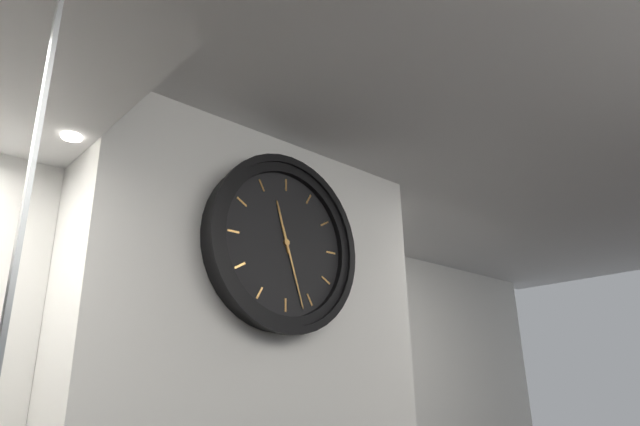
11,27
